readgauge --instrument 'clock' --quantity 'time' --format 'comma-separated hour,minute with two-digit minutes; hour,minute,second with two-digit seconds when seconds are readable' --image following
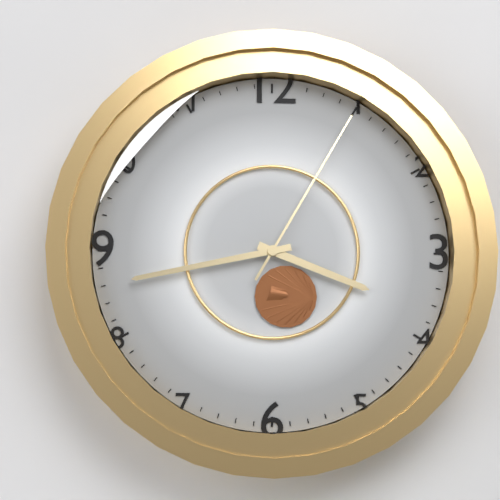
3,43,05
